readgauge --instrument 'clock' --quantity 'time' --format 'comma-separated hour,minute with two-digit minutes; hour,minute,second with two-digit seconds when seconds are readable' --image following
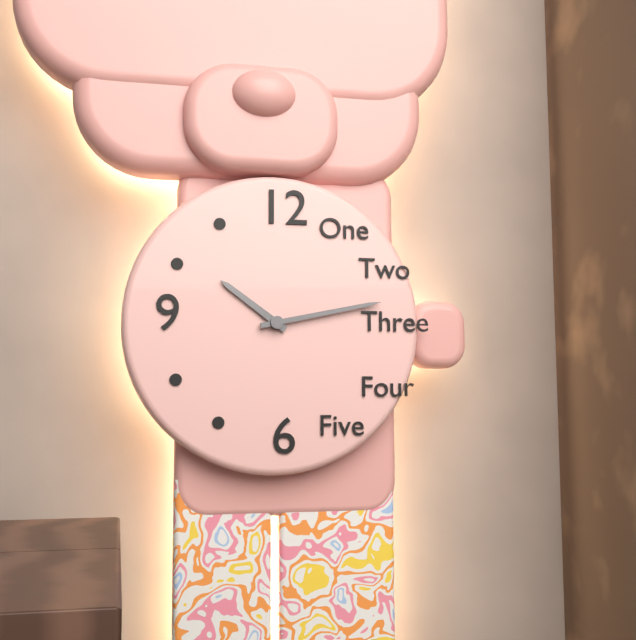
10,13
